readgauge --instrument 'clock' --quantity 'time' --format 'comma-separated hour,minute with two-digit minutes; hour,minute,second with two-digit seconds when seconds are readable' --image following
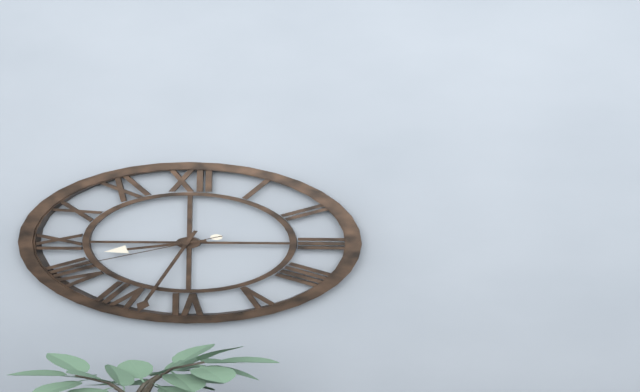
8,33,41
